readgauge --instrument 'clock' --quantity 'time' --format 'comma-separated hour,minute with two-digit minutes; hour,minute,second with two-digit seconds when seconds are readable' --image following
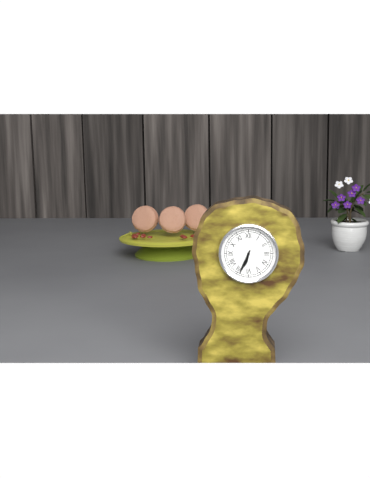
6,34
